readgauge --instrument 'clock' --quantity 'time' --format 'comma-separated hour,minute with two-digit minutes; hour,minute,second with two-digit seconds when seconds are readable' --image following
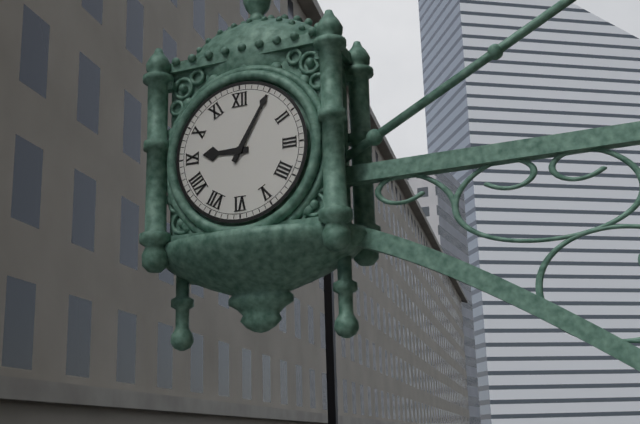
9,05
